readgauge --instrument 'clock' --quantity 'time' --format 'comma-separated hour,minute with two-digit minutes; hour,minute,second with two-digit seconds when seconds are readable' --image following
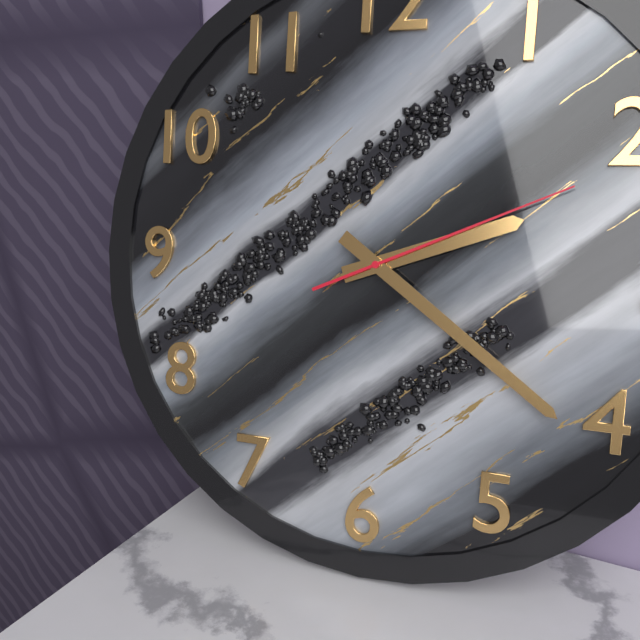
2,21,11
